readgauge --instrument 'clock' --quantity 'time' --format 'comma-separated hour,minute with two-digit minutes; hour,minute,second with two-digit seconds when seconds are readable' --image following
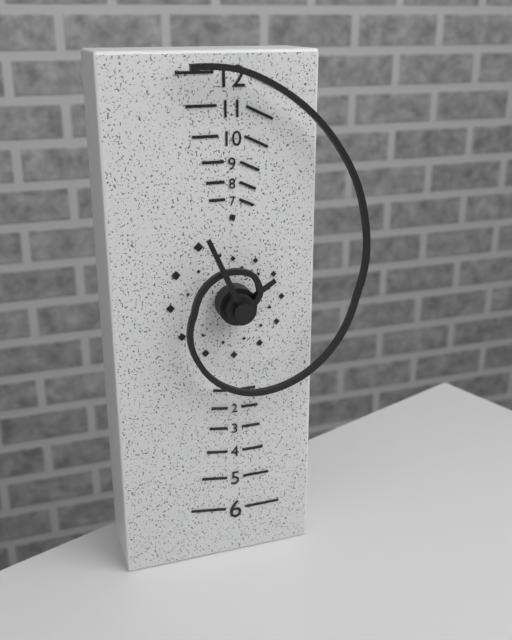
1,56
